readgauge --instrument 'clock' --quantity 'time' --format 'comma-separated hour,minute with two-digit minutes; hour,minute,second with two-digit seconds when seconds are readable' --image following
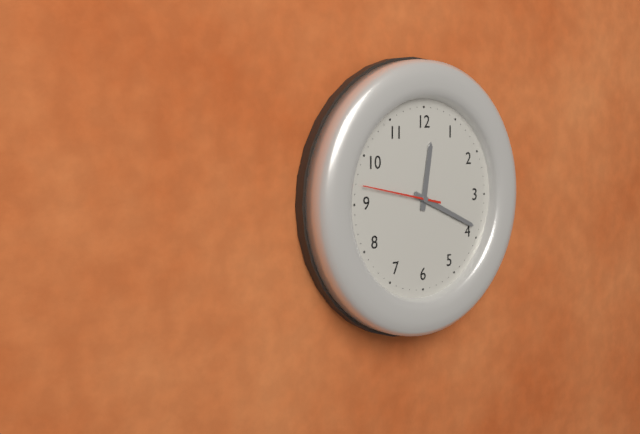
12,19,47
